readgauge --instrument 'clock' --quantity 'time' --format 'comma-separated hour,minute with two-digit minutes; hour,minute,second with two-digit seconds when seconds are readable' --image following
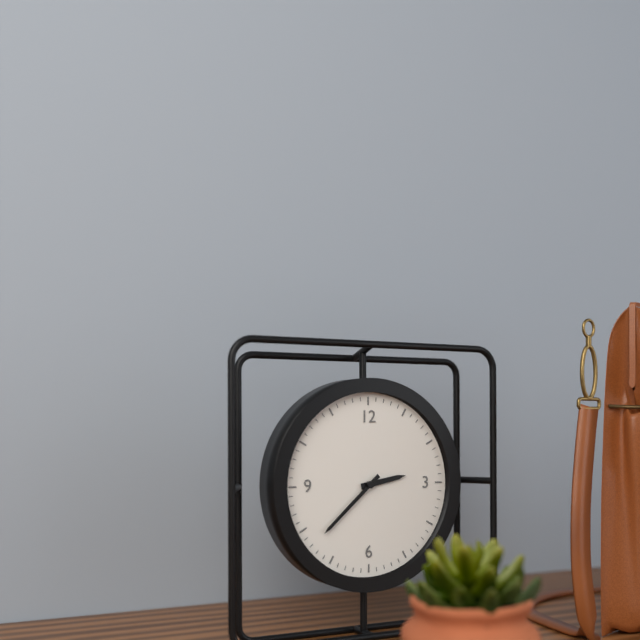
2,38
